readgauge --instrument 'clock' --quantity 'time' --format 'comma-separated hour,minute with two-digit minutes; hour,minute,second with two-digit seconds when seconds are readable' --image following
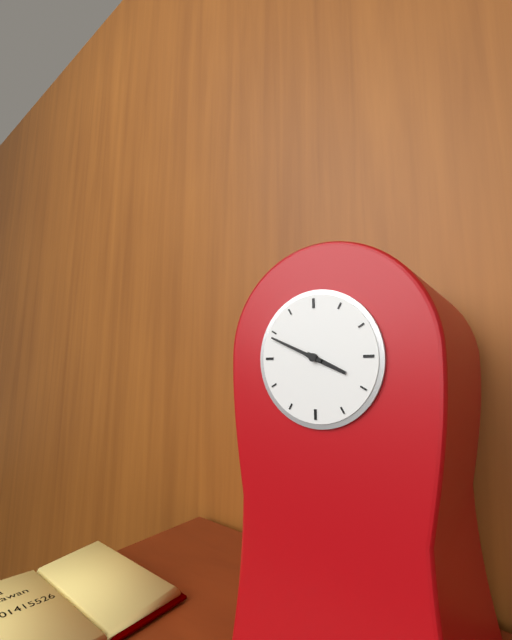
3,49
